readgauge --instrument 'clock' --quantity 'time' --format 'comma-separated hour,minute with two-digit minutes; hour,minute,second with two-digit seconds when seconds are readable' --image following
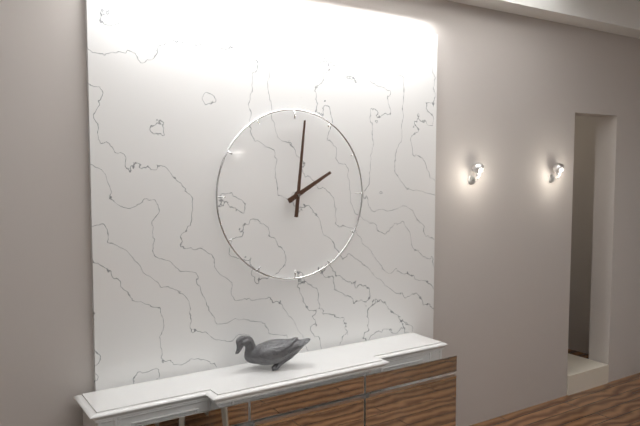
2,01
